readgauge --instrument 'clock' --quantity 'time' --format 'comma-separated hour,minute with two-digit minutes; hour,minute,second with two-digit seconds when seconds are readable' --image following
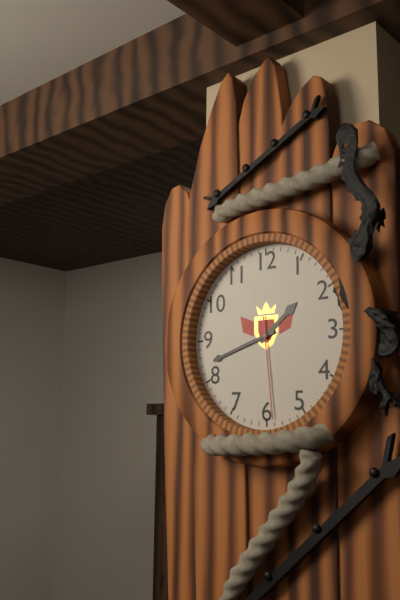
1,42,29
